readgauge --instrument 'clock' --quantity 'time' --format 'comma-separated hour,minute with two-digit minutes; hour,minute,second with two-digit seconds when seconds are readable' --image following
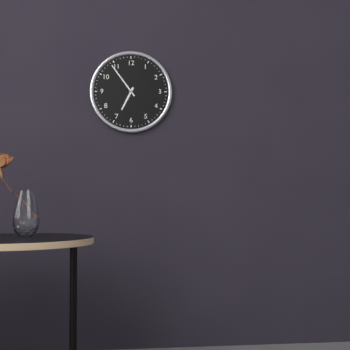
6,54
